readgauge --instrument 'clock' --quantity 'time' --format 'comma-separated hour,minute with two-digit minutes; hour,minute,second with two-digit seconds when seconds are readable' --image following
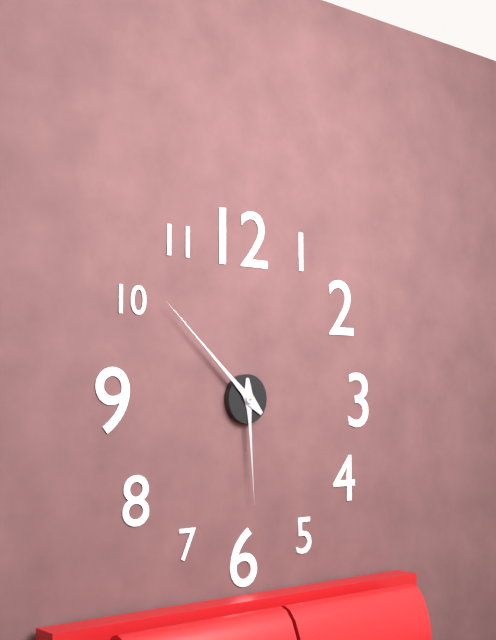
5,52
